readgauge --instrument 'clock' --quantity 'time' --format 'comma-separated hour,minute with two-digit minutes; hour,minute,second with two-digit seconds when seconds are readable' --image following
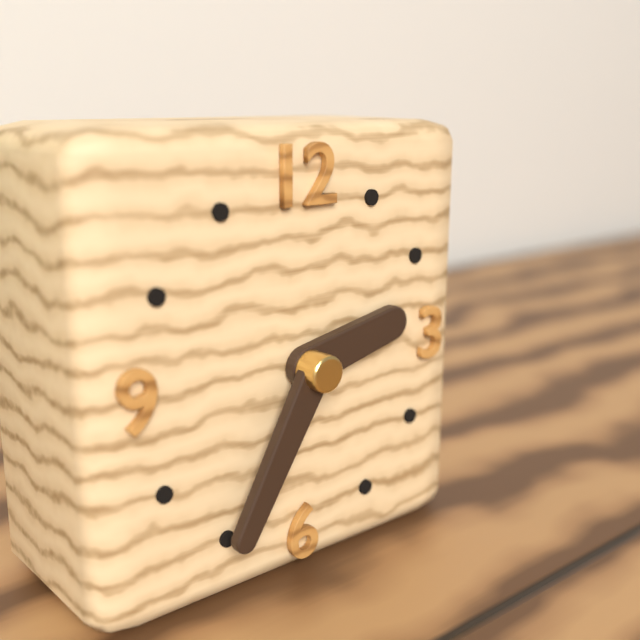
2,35
